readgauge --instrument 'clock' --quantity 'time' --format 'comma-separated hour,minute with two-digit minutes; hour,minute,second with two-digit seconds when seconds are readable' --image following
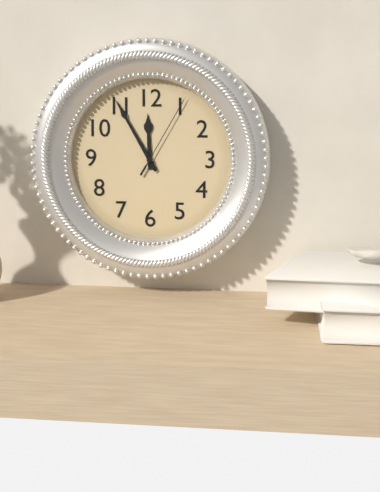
11,55,05
